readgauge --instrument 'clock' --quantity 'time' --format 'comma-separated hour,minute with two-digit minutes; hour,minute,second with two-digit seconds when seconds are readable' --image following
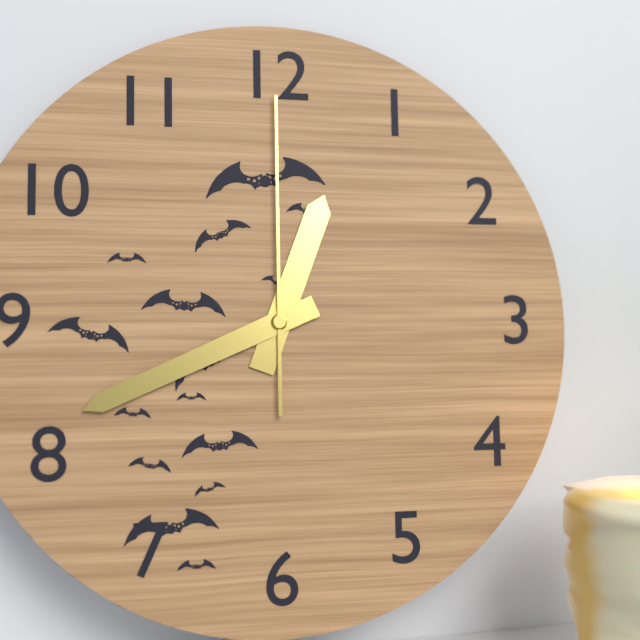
12,41,00
